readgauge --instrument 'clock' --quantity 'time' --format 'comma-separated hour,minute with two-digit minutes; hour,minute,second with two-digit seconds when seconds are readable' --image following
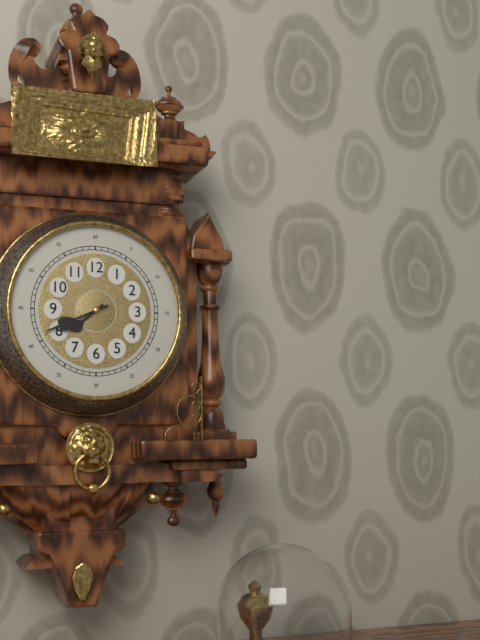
7,41
